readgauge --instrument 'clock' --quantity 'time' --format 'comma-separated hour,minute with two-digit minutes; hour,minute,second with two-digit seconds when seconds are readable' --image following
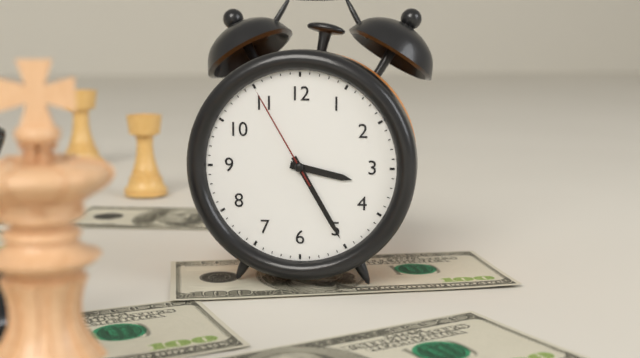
3,25,55
